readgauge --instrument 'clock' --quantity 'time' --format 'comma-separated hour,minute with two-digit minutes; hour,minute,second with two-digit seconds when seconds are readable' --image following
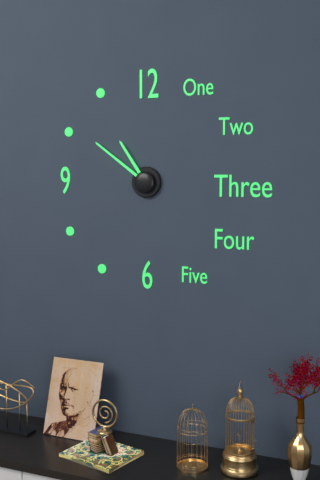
10,51
